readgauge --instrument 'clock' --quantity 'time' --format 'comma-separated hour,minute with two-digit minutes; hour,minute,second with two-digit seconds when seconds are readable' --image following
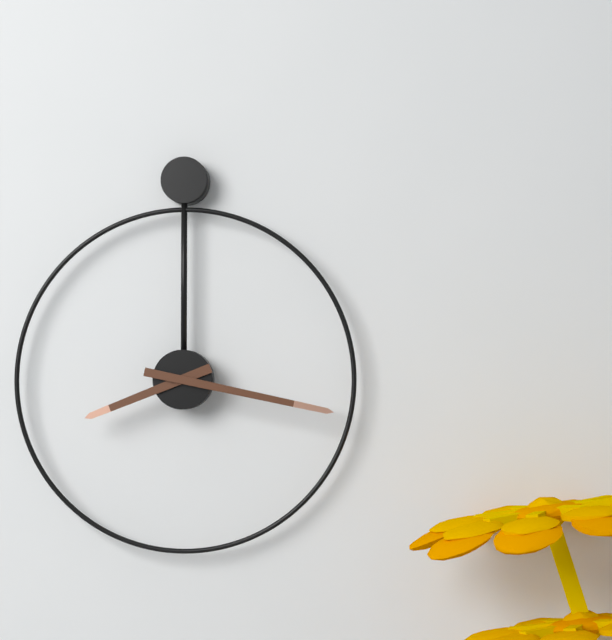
8,17
